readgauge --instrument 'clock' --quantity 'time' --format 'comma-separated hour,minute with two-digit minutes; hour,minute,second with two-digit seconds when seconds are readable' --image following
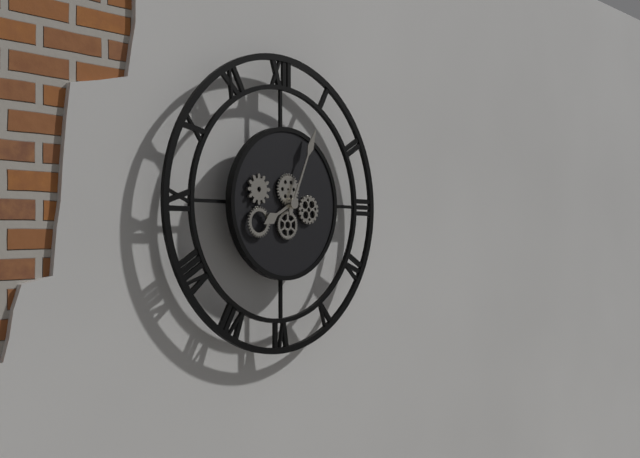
8,04
